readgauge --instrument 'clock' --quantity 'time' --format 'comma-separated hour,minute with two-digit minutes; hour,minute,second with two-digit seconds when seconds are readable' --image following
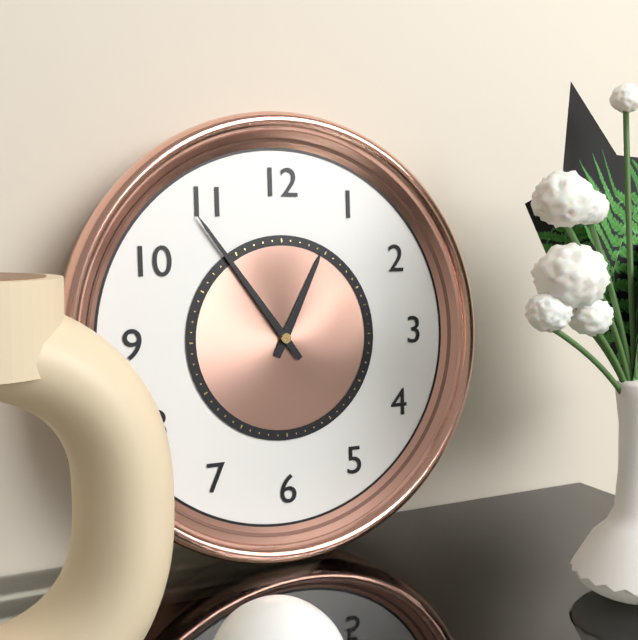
12,54
